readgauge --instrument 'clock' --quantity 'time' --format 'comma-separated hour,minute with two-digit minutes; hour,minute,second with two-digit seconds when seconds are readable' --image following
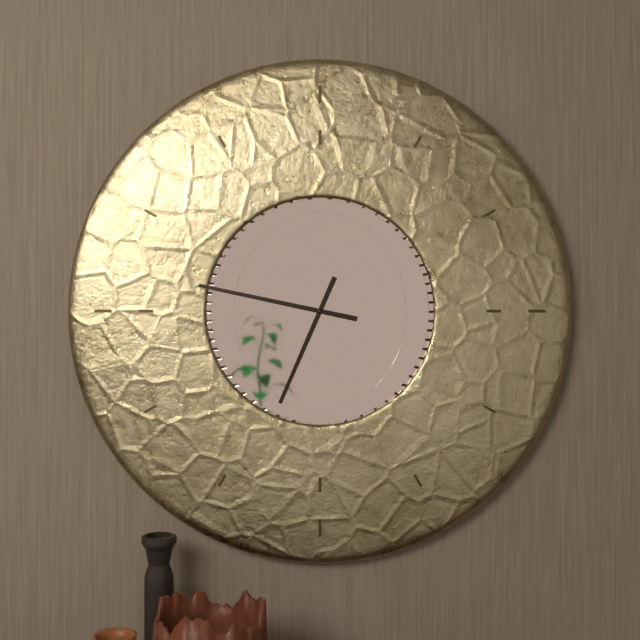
6,47
